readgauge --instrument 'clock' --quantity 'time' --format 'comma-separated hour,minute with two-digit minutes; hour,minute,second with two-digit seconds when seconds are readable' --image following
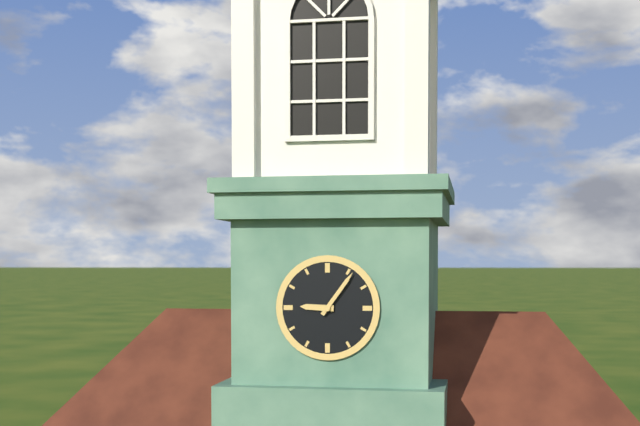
9,06
